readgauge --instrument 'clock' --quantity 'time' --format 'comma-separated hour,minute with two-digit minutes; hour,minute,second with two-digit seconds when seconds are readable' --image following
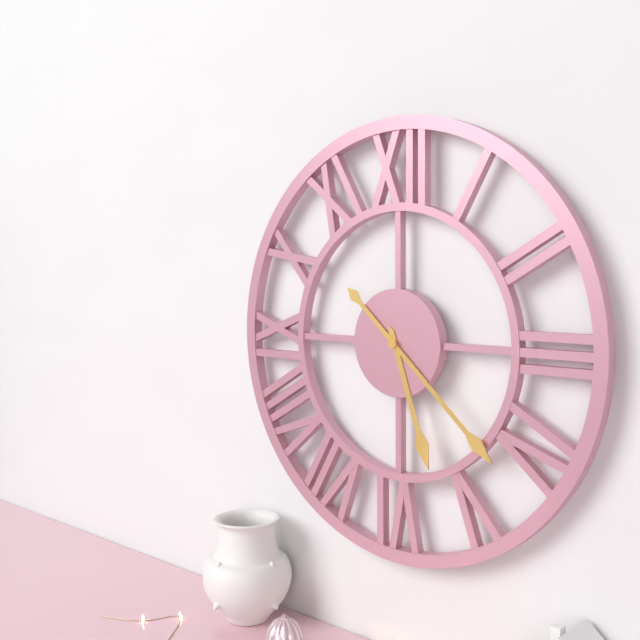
5,22
